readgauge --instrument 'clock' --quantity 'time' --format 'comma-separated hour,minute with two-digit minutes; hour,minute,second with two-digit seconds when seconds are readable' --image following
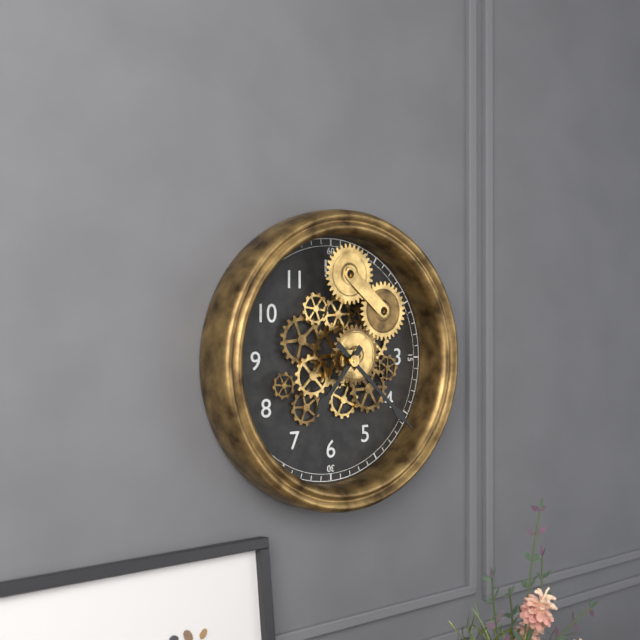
7,22
